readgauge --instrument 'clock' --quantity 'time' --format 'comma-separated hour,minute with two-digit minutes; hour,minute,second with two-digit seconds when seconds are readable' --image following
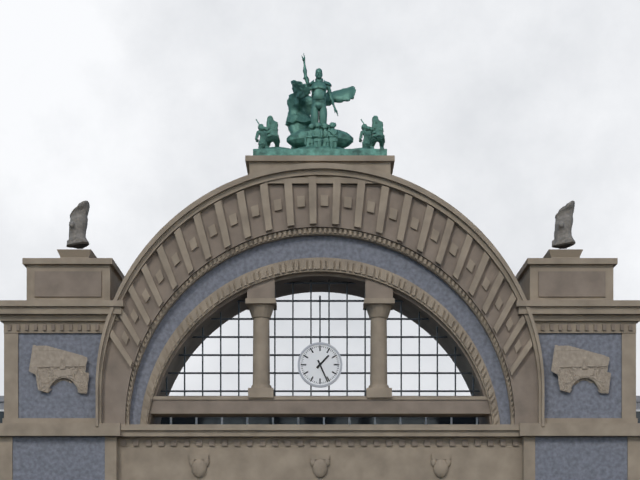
1,26
